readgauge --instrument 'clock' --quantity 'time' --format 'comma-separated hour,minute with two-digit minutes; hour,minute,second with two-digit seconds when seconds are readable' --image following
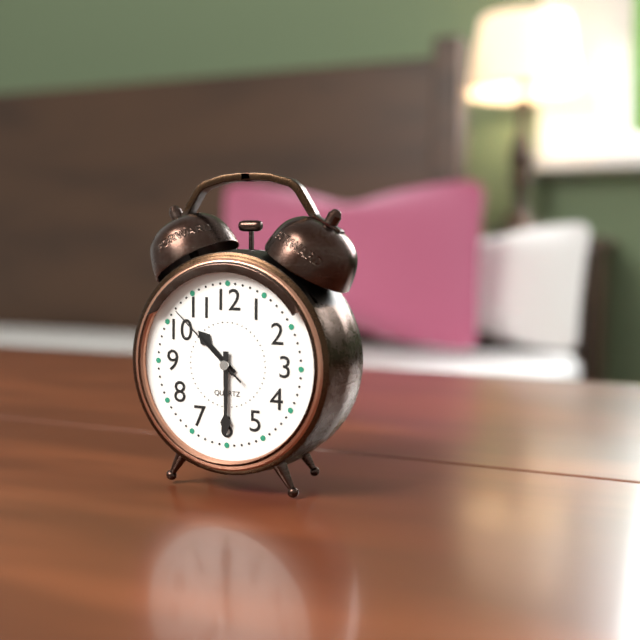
10,30,52
